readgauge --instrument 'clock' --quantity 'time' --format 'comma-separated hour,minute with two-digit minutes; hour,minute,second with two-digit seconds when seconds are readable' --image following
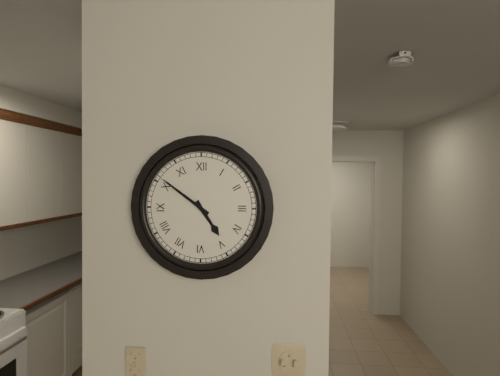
4,51
